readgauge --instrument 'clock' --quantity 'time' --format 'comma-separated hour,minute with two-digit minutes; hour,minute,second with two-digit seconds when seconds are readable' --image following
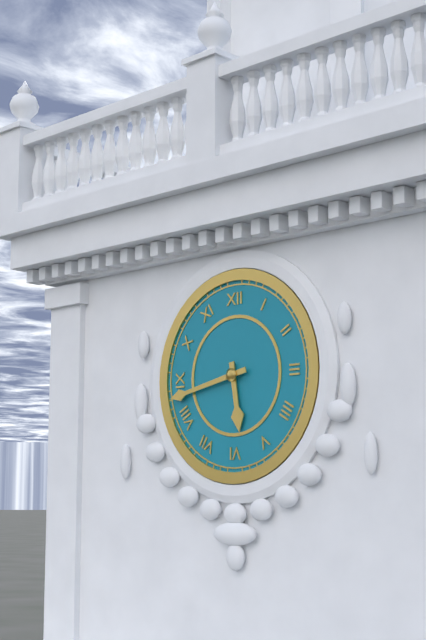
5,43
